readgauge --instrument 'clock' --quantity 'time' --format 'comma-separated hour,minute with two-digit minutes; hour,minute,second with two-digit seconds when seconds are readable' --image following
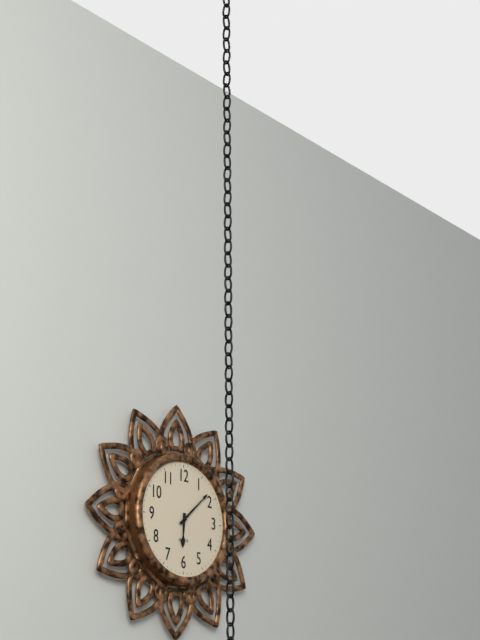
6,08
